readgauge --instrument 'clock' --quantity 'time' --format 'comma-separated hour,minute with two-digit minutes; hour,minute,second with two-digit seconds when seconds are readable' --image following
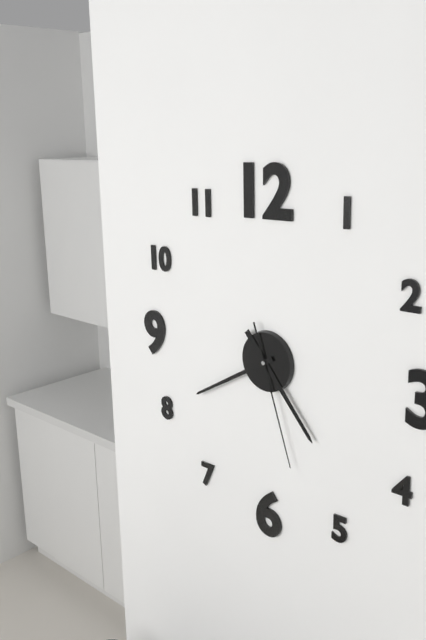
4,40,27
